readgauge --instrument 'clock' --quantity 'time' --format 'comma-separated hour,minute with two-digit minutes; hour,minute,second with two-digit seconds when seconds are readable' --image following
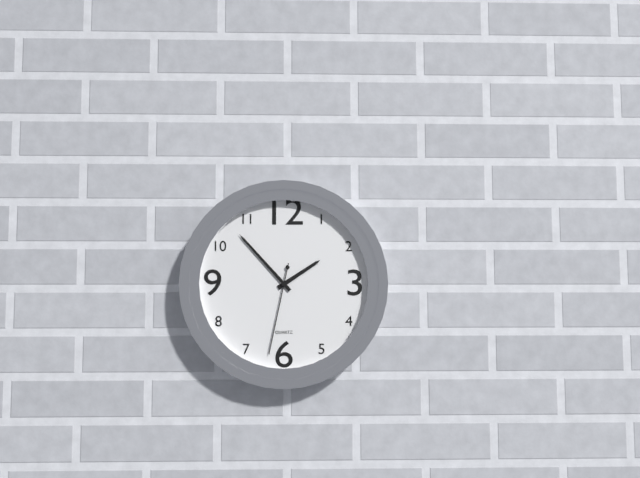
1,53,32
